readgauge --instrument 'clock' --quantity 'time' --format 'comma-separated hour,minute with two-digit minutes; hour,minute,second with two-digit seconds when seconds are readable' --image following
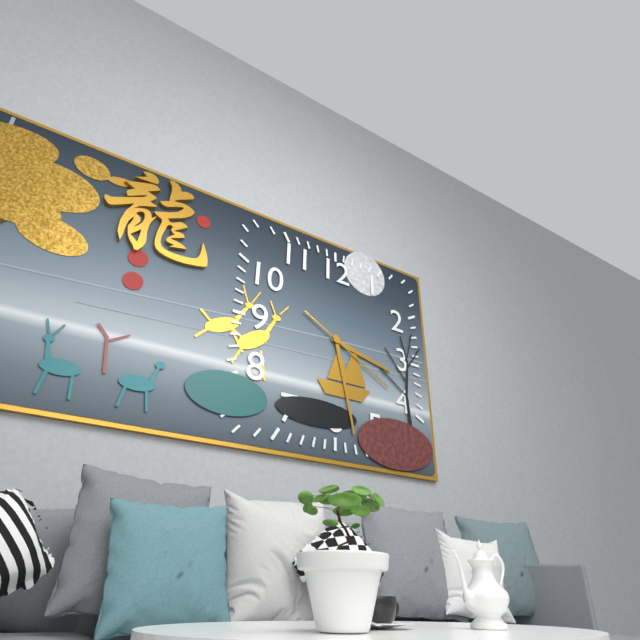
3,28,20
